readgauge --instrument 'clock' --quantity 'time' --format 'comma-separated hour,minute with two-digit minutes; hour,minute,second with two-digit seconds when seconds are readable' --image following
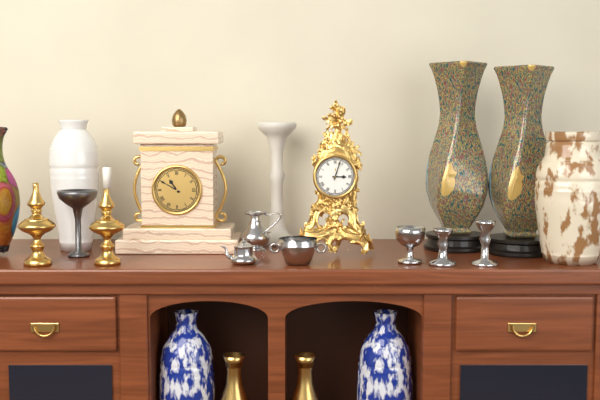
3,03
